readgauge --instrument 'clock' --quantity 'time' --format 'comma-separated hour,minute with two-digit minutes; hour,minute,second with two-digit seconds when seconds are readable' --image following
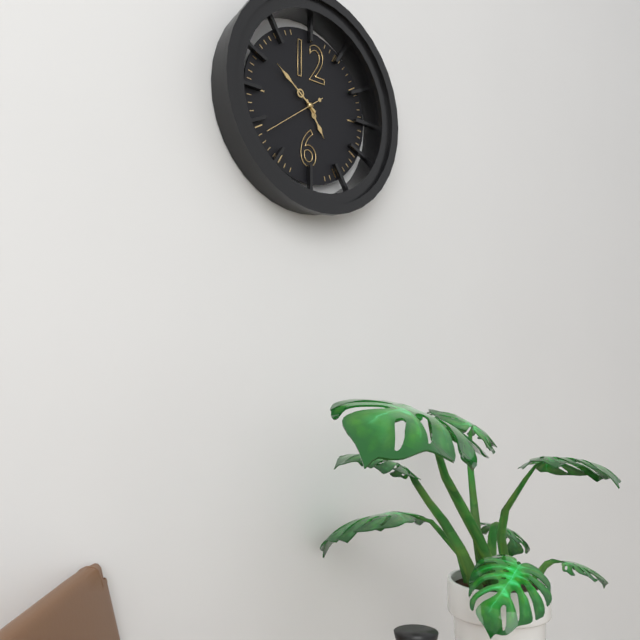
4,51
